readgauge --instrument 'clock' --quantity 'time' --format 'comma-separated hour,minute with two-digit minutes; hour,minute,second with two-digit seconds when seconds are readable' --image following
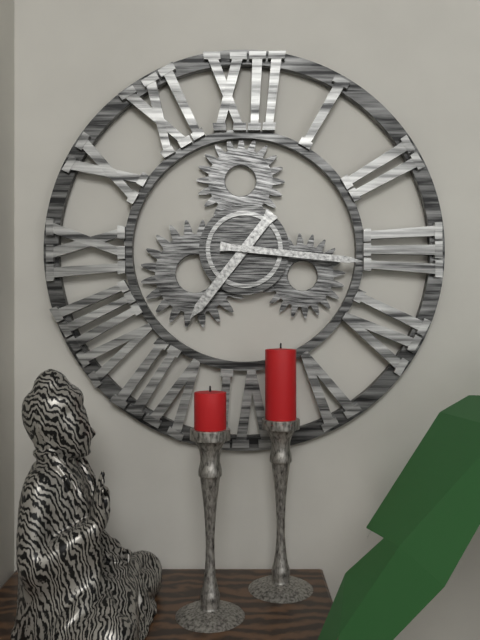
7,16
